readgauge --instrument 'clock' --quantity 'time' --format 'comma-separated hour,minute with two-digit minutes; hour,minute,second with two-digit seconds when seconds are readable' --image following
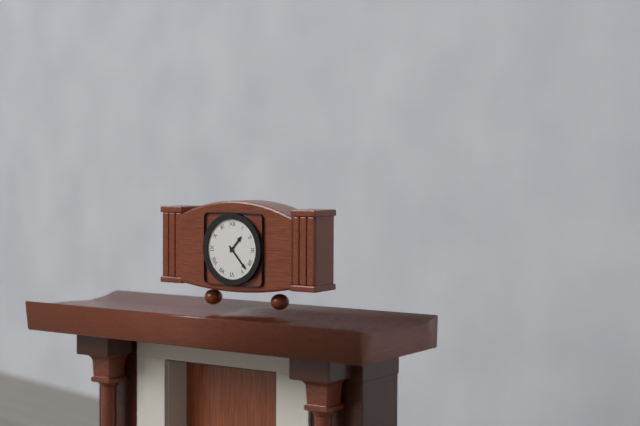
1,23
